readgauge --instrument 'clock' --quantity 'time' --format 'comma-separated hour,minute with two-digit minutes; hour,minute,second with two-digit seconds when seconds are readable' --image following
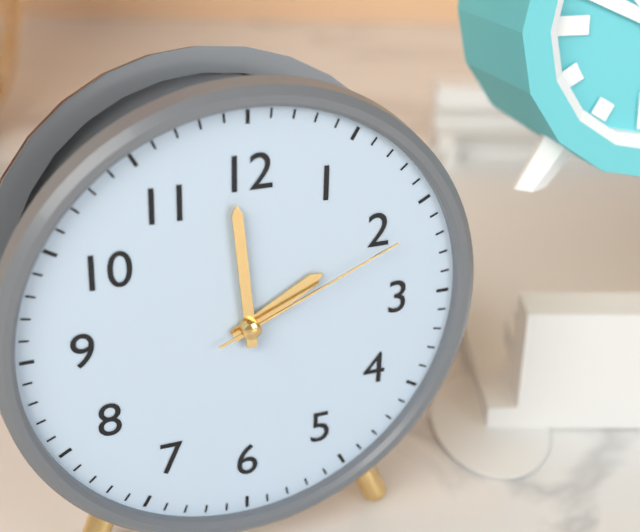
1,59,11
